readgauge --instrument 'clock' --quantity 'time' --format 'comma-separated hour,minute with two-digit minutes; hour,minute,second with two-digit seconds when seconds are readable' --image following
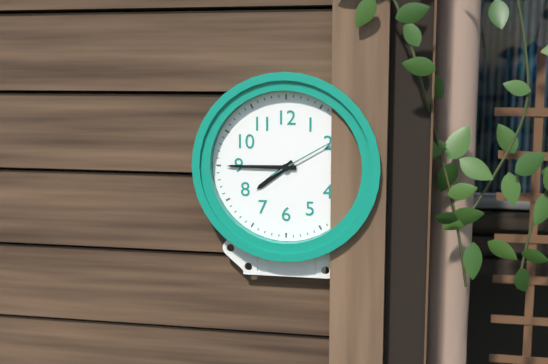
7,45,10
